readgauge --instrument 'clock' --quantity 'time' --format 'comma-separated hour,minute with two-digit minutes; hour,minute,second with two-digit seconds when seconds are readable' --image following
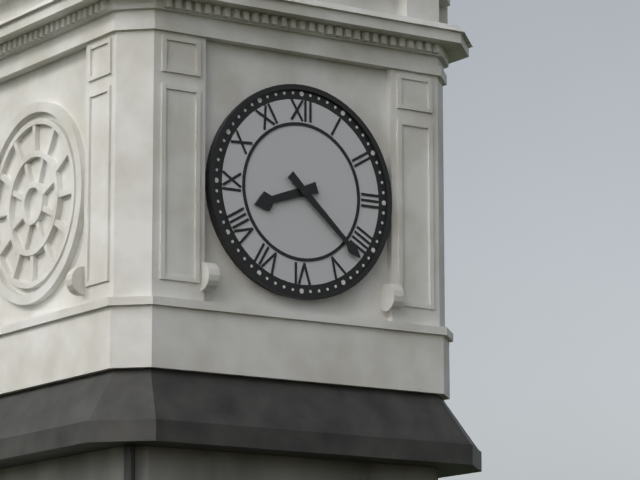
8,22
